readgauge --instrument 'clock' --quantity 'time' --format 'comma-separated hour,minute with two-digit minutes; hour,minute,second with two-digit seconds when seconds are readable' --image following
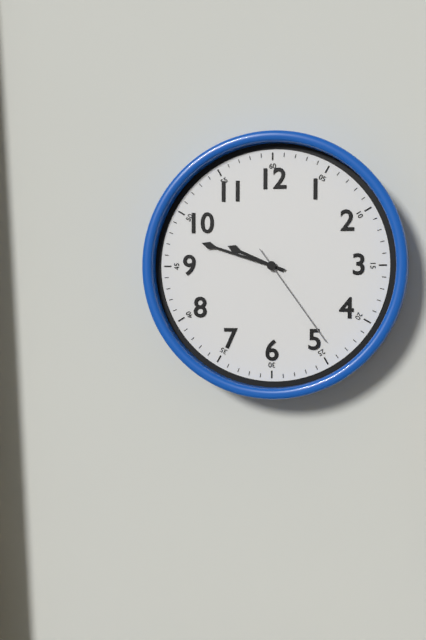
9,48,24
